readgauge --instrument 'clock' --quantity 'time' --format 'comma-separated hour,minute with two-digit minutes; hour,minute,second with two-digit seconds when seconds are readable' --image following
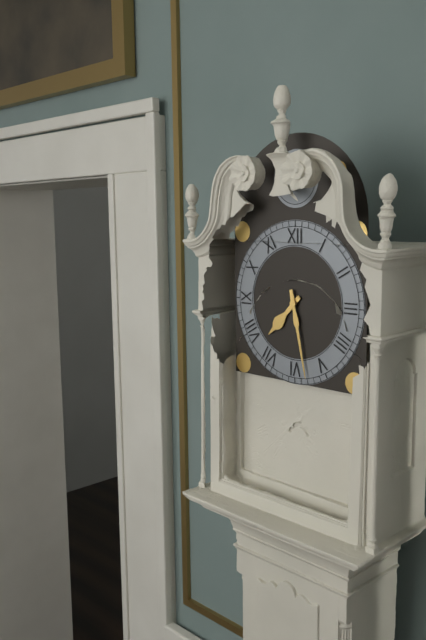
7,28
